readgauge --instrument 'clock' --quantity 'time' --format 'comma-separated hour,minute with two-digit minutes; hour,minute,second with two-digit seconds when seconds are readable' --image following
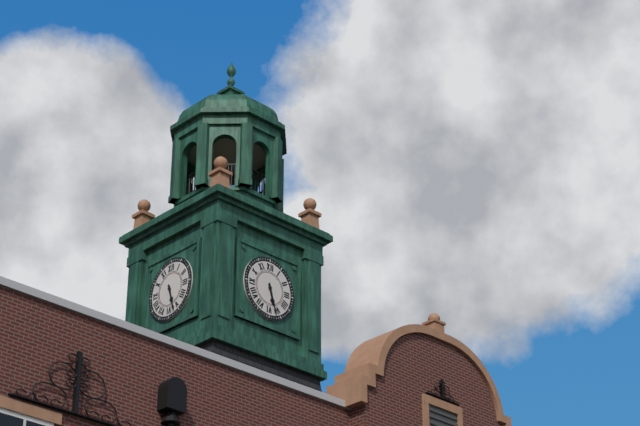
5,27
